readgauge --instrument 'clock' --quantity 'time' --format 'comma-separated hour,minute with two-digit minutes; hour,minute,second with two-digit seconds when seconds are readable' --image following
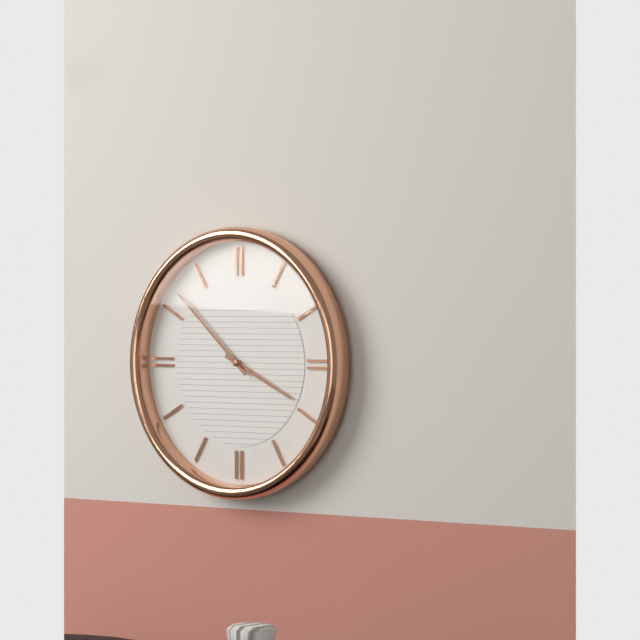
3,52
